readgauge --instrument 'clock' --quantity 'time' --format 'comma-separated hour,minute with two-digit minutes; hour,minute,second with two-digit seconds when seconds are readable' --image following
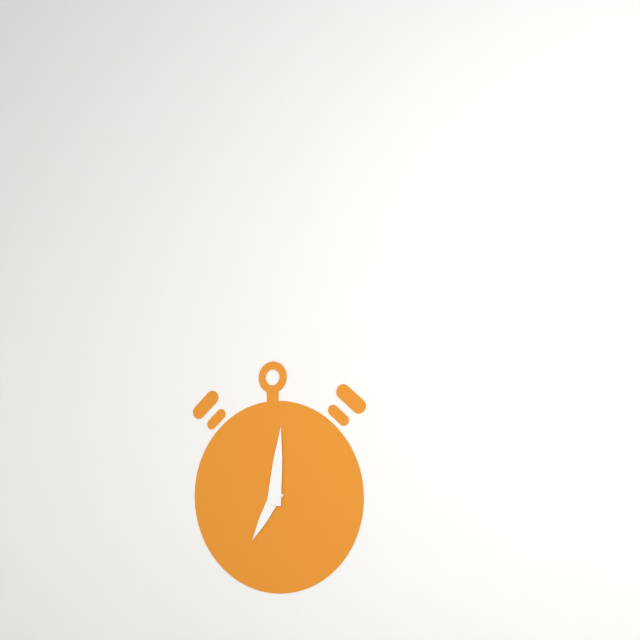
7,01
